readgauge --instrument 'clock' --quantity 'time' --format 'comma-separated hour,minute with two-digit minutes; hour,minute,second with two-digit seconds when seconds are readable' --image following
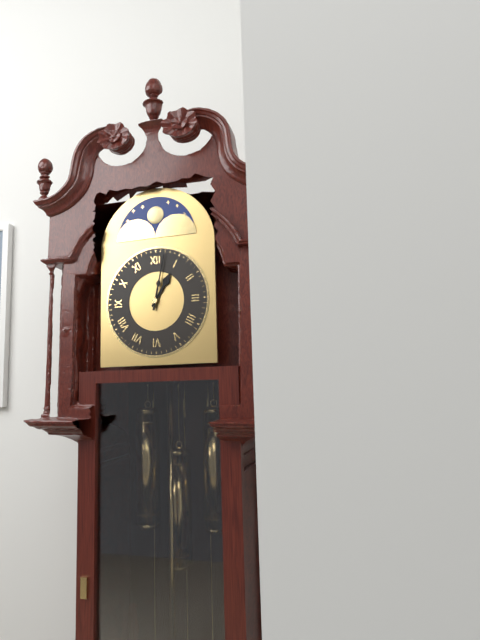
1,02
